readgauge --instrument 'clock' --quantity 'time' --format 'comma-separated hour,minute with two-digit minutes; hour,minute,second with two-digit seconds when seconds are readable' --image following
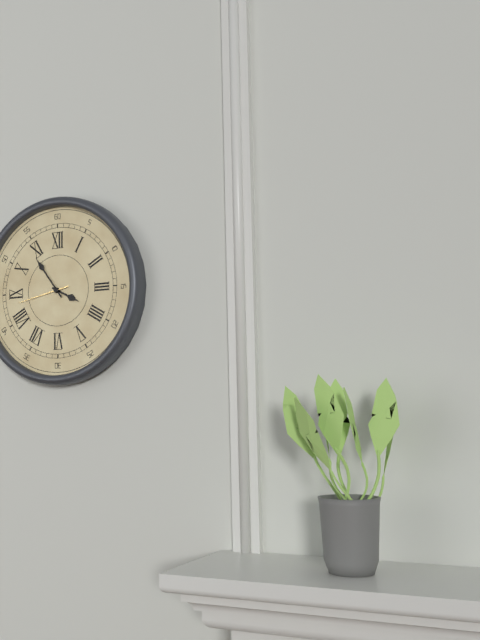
3,54,43
